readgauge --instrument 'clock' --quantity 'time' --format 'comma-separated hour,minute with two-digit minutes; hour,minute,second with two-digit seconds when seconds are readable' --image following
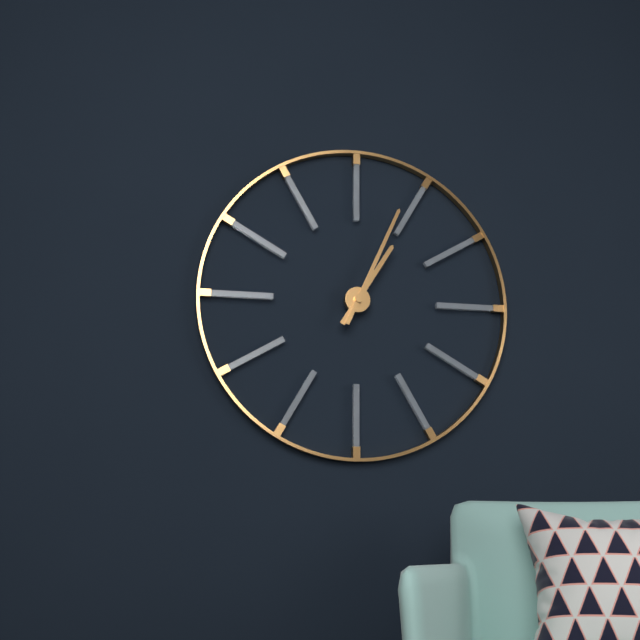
1,04
